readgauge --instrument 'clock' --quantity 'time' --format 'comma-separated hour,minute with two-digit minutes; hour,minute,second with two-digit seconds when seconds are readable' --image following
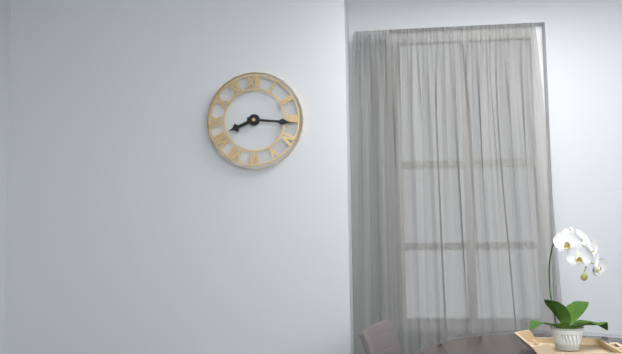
8,16
